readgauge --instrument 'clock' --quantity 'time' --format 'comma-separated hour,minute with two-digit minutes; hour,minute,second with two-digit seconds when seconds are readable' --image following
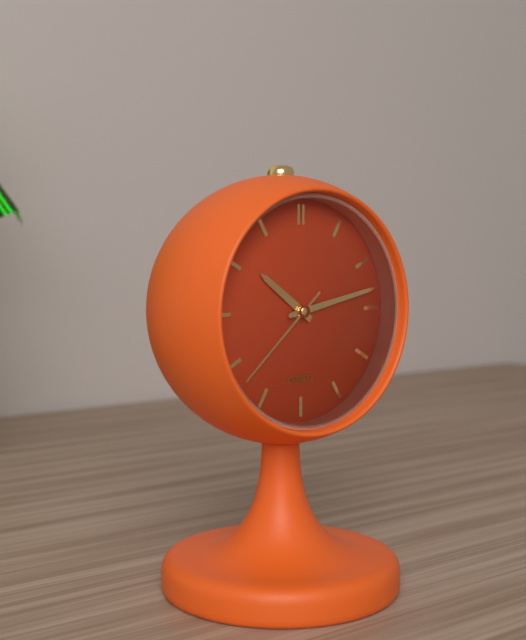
10,13,38
